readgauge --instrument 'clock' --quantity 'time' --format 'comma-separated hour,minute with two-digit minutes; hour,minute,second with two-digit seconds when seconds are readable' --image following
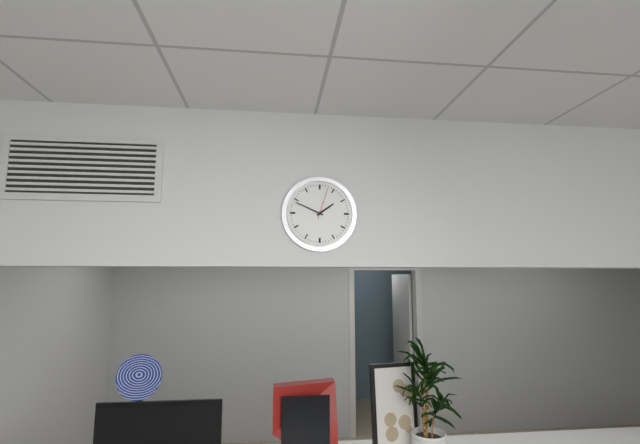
1,49
